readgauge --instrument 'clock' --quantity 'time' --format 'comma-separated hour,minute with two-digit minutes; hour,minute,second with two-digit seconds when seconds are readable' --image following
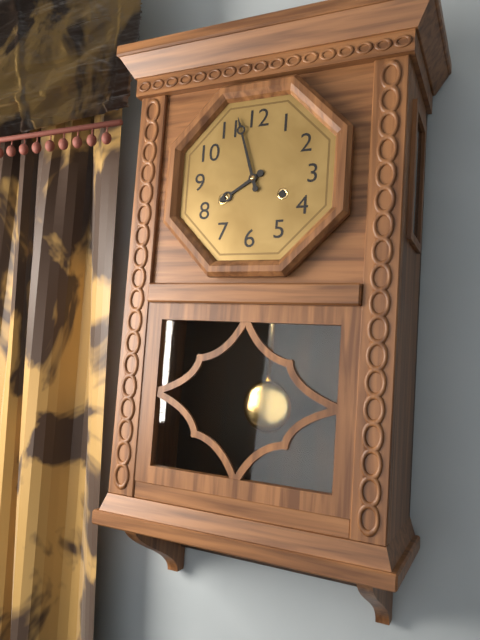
7,57
